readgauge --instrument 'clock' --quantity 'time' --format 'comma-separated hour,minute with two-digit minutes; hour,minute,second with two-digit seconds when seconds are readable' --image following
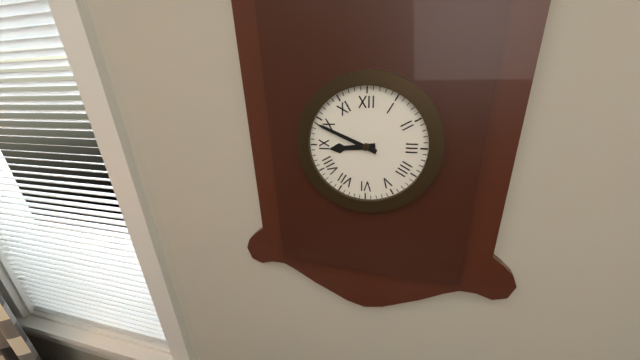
8,49
